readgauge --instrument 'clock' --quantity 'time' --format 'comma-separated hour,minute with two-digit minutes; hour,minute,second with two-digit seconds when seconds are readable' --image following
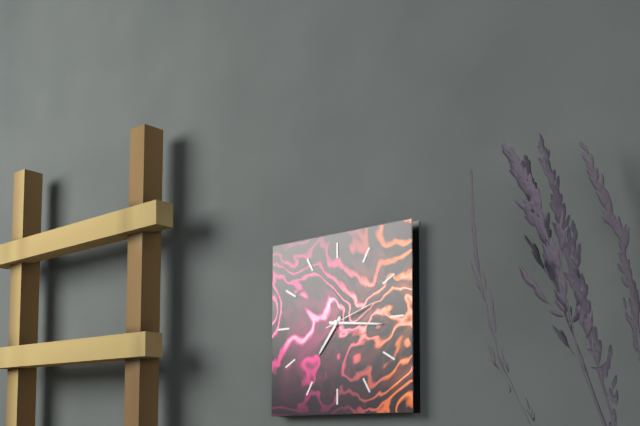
7,16,12
